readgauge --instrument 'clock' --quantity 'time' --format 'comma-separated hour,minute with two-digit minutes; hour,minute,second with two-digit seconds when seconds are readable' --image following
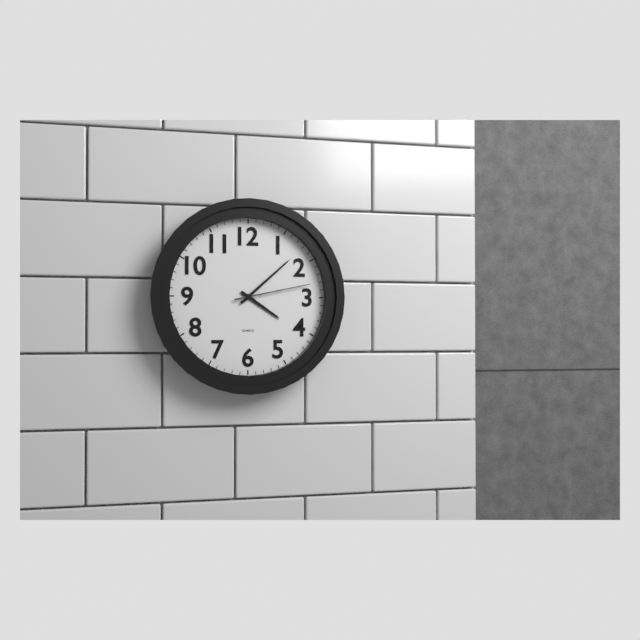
4,08,13
